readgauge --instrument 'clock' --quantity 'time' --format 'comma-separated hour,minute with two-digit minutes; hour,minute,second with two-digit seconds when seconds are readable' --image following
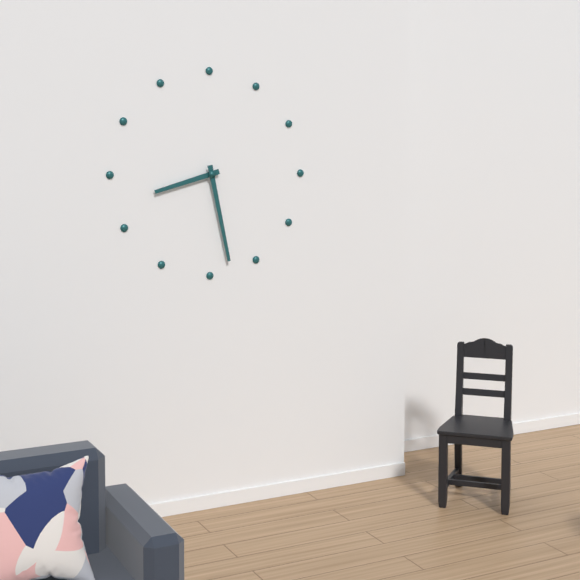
8,28
